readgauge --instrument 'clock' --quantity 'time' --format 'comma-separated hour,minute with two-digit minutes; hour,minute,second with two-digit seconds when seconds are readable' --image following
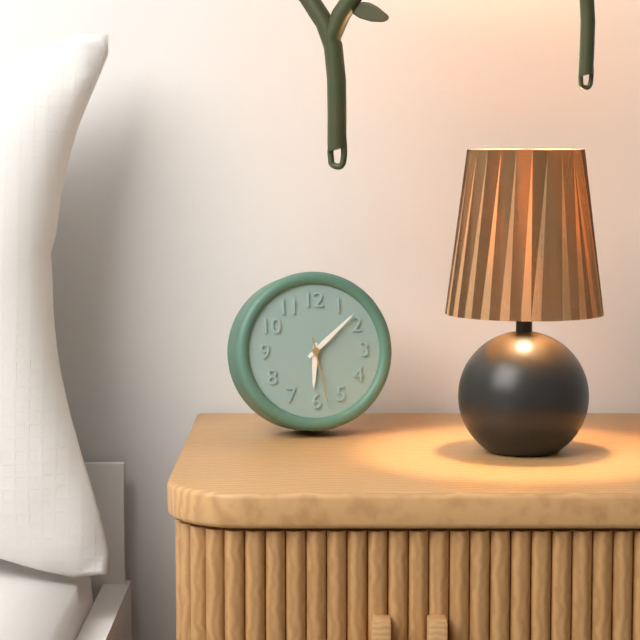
6,08,28
